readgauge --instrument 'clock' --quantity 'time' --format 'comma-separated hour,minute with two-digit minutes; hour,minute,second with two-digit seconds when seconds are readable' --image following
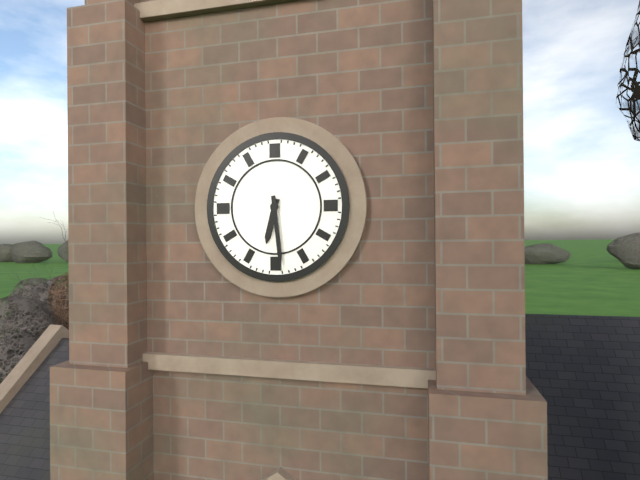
6,29
